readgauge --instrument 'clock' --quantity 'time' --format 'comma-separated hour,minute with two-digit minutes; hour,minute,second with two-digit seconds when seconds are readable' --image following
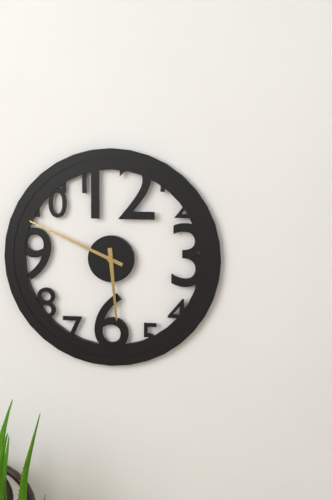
5,49
